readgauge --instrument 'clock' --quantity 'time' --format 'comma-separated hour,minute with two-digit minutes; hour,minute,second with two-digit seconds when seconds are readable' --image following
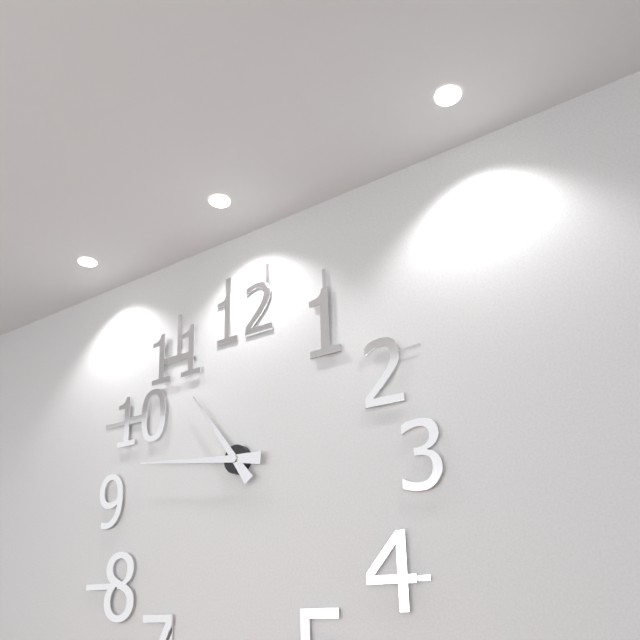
10,46
